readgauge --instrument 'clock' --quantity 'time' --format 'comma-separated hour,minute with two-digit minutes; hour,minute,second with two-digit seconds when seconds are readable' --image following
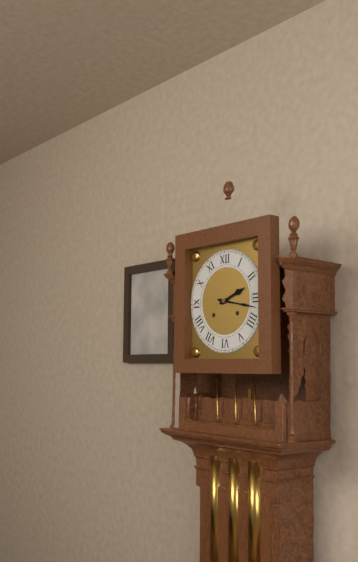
2,17
